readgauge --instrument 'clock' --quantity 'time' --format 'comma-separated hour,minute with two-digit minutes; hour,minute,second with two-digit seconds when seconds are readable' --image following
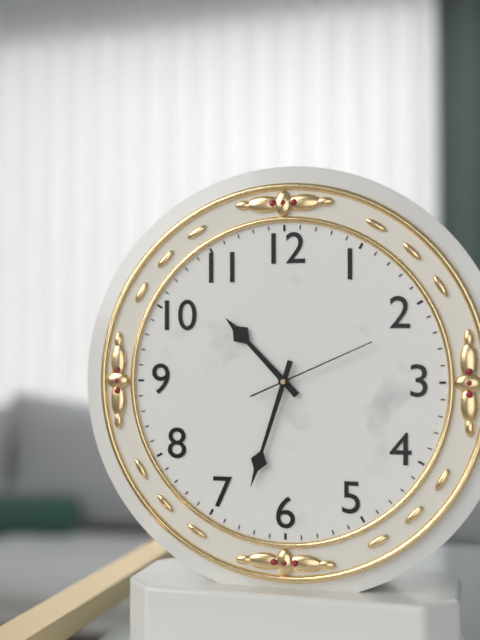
10,33,11
